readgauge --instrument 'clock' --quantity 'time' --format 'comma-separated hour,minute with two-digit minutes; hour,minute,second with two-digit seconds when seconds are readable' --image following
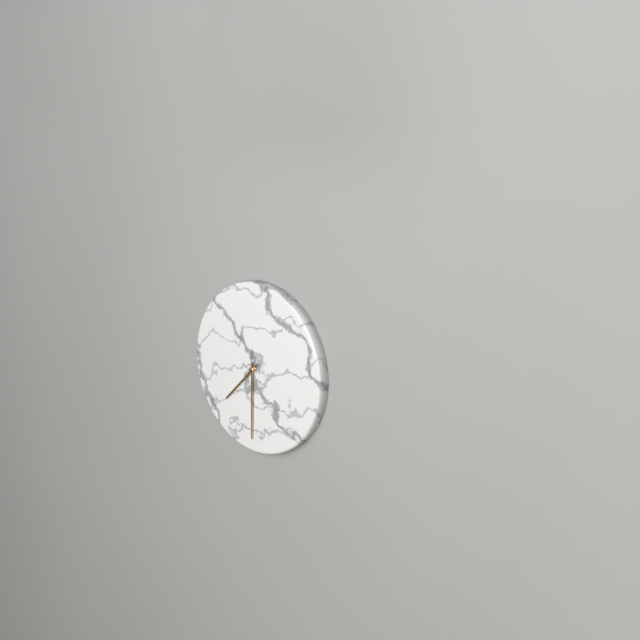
7,30
